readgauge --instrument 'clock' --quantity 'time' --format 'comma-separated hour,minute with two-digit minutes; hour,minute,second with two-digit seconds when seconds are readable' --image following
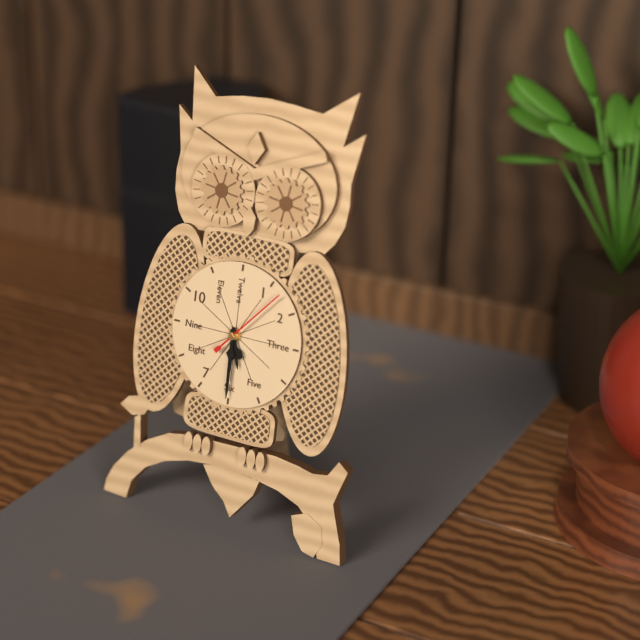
5,30,07
